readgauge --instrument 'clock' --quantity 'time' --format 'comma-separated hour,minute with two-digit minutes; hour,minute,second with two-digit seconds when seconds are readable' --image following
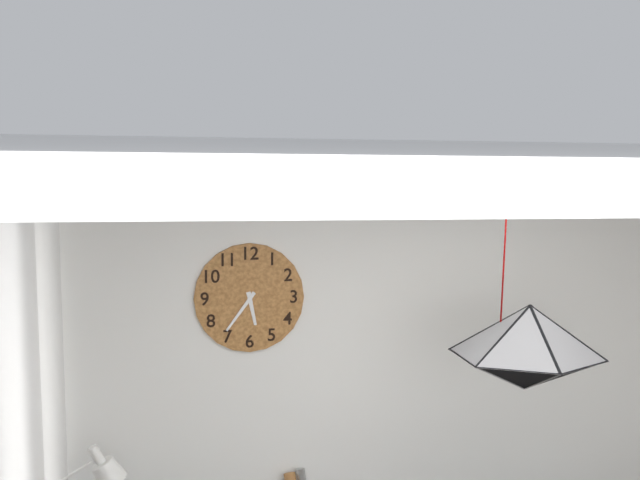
5,36
